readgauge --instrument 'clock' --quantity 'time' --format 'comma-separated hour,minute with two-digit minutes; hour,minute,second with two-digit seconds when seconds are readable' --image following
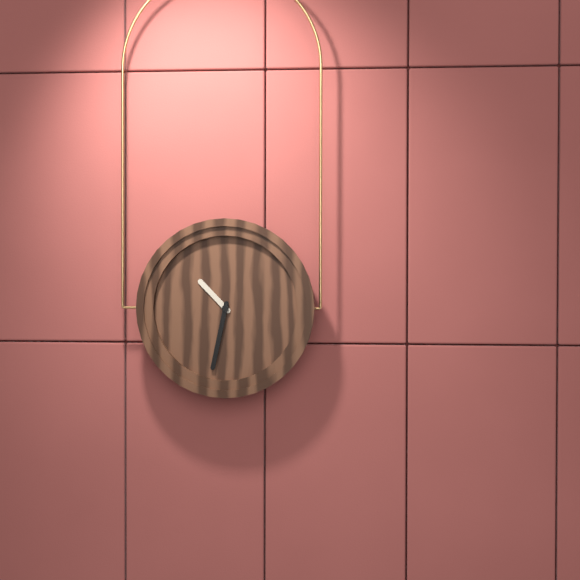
10,32
